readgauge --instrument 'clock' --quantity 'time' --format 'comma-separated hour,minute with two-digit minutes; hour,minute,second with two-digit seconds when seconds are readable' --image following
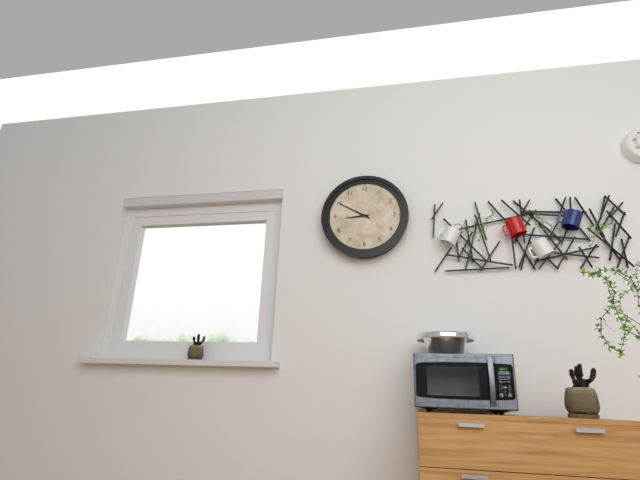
8,50
